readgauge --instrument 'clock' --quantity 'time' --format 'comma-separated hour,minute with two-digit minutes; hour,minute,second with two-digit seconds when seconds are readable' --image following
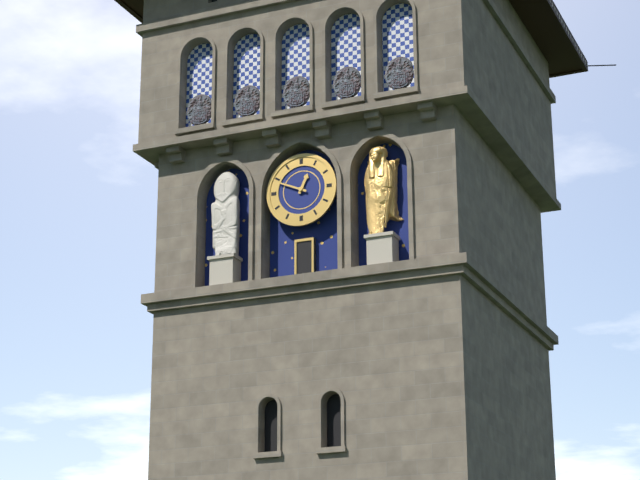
12,49
